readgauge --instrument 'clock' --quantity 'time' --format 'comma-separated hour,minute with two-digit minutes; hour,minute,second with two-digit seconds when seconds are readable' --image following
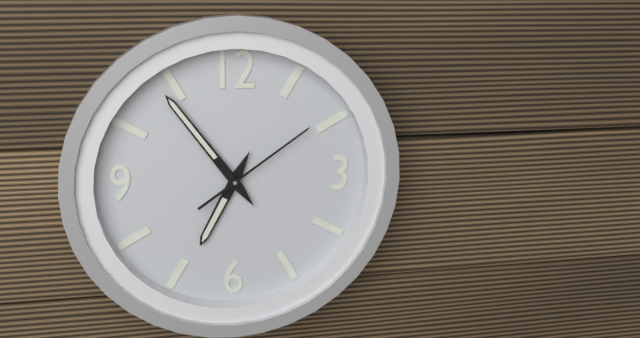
6,54,09
